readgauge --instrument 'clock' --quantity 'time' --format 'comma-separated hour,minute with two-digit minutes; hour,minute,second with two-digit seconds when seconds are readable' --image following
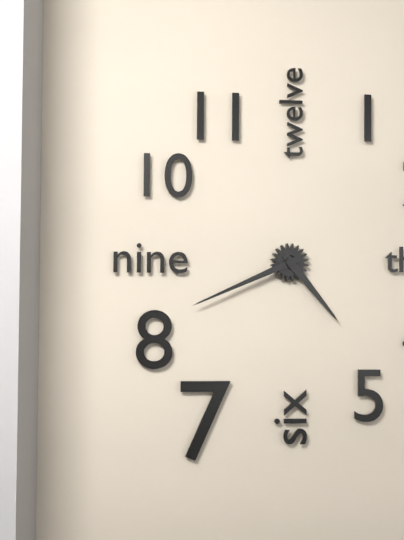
4,41
